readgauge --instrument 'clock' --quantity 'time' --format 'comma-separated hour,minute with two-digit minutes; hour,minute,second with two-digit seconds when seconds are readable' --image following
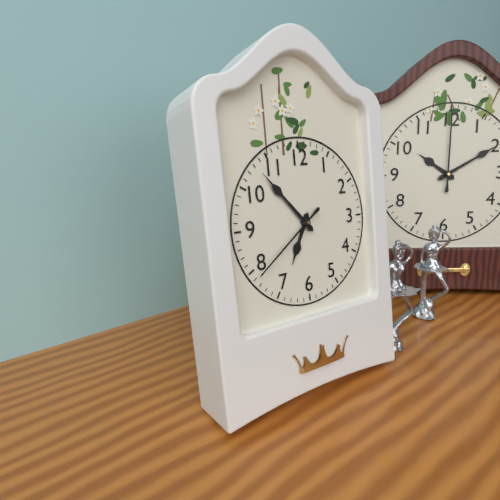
6,53,39
